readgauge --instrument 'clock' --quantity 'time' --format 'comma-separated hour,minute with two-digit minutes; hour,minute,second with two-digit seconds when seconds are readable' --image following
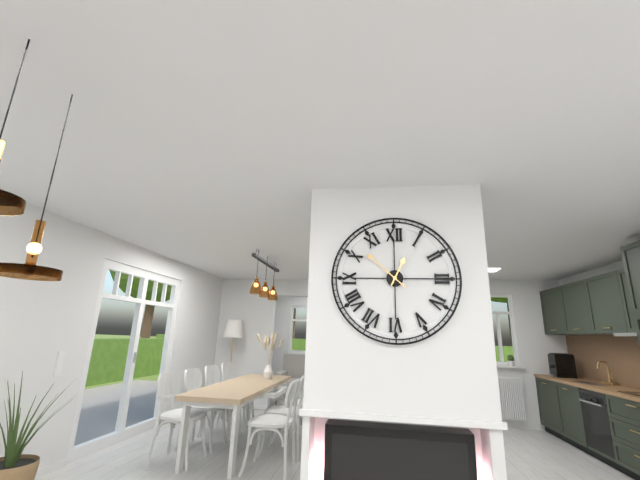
12,52
